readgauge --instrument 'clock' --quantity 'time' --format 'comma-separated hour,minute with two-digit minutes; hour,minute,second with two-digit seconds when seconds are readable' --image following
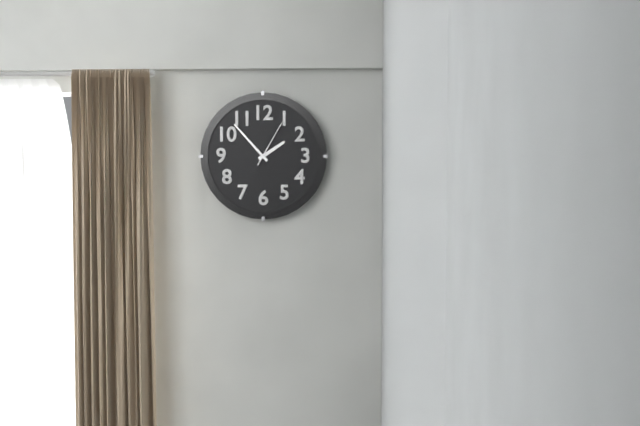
1,53
